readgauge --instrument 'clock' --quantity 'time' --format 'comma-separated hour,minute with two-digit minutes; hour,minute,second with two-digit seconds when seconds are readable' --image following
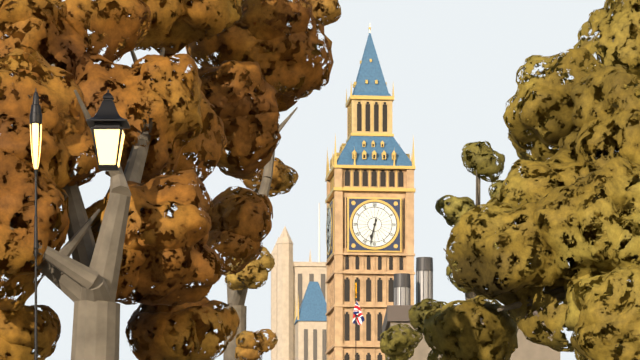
6,32
